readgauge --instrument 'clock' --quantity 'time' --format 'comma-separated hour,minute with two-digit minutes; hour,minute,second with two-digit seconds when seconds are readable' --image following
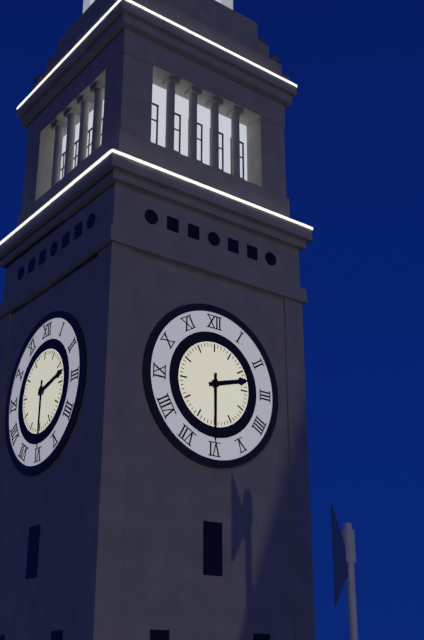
2,30
